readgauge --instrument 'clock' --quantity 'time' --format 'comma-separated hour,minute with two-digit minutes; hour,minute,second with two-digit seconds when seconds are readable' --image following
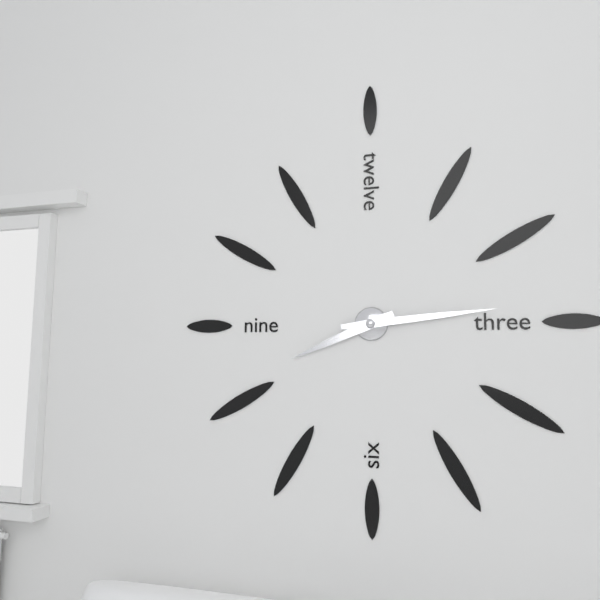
8,14
